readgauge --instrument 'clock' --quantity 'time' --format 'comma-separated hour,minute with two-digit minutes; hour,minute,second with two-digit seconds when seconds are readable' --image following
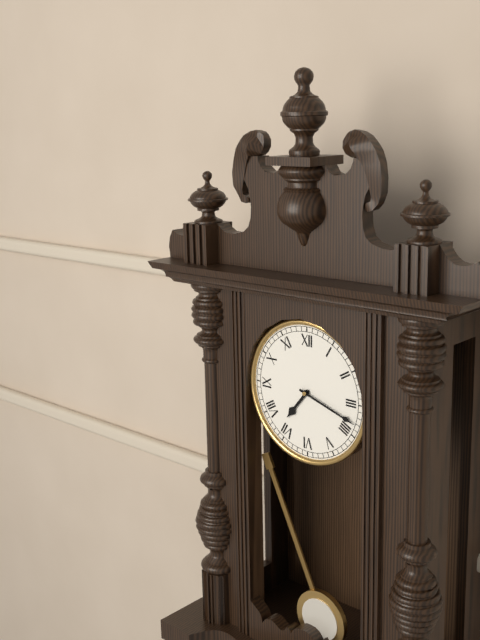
7,18
